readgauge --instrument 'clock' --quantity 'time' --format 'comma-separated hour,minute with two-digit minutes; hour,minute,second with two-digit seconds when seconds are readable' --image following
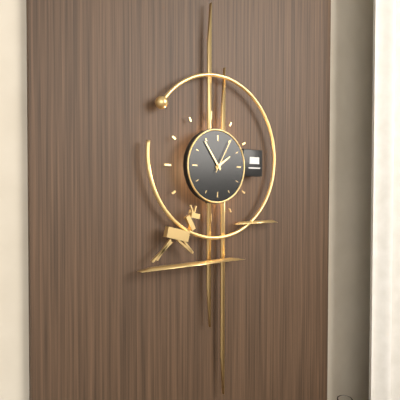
1,54
